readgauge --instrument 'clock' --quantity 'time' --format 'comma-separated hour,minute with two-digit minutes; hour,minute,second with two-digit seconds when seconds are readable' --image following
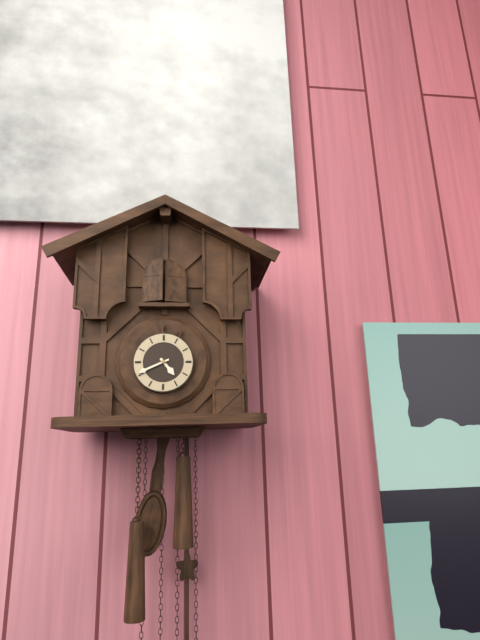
4,41
